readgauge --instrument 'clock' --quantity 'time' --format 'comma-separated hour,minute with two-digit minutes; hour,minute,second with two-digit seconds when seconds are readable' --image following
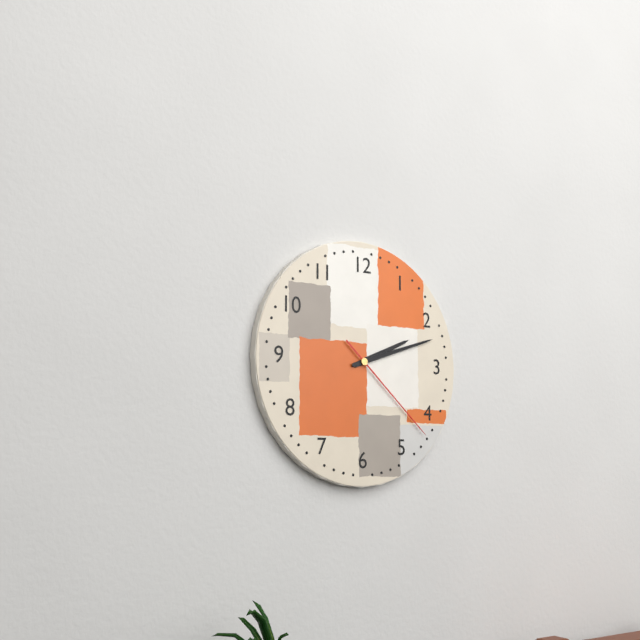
2,12,22
